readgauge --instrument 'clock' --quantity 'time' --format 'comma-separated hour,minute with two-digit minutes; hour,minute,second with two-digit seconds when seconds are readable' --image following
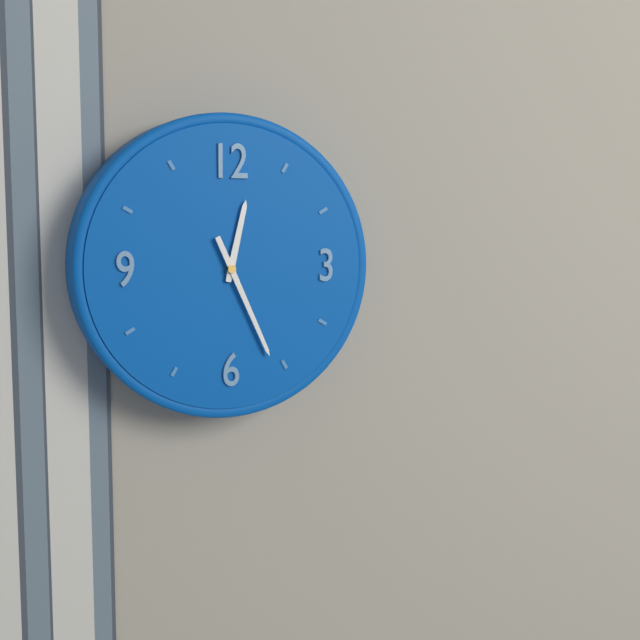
12,26
